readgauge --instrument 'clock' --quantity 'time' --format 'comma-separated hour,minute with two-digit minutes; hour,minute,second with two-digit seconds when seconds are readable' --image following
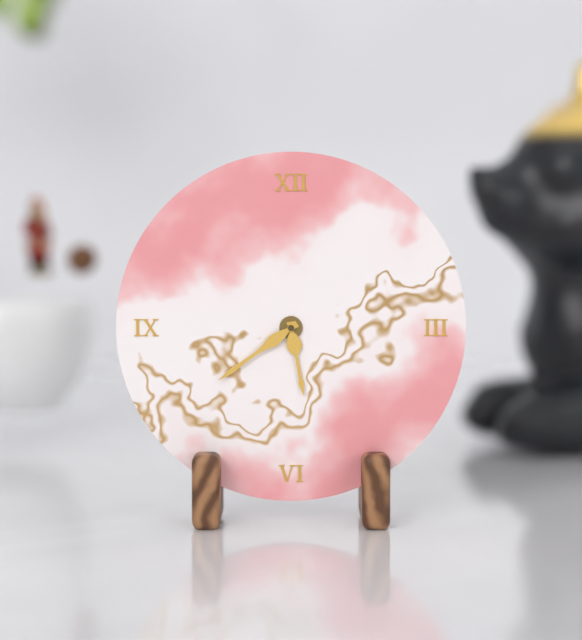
5,39
